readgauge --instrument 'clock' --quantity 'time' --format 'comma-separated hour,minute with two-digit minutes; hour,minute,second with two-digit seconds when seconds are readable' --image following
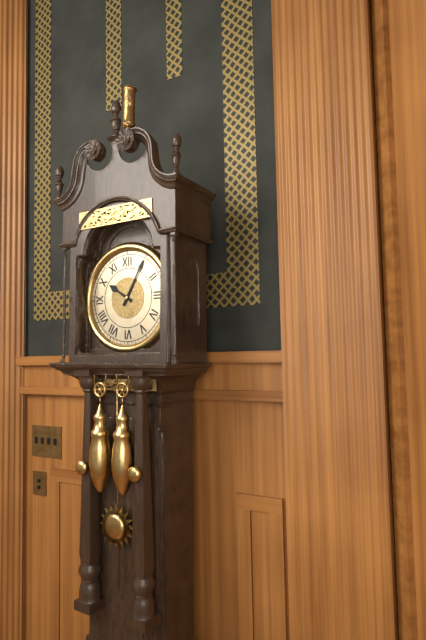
10,05
